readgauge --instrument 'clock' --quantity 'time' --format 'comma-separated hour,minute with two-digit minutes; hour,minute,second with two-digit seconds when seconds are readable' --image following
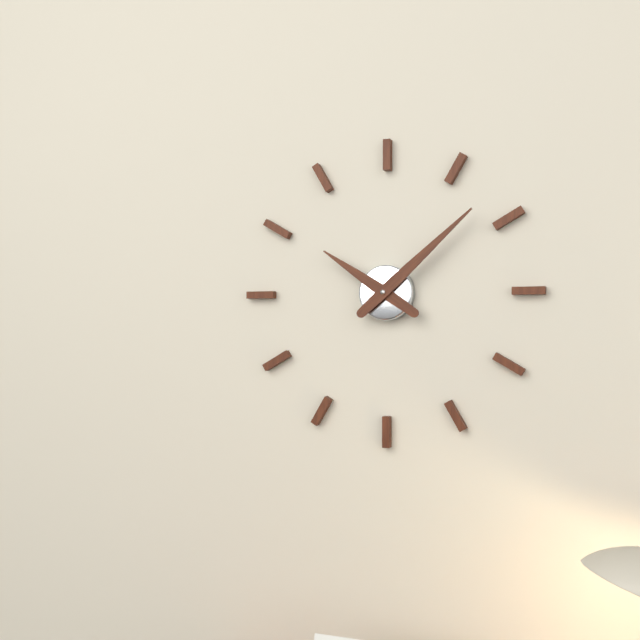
10,08
